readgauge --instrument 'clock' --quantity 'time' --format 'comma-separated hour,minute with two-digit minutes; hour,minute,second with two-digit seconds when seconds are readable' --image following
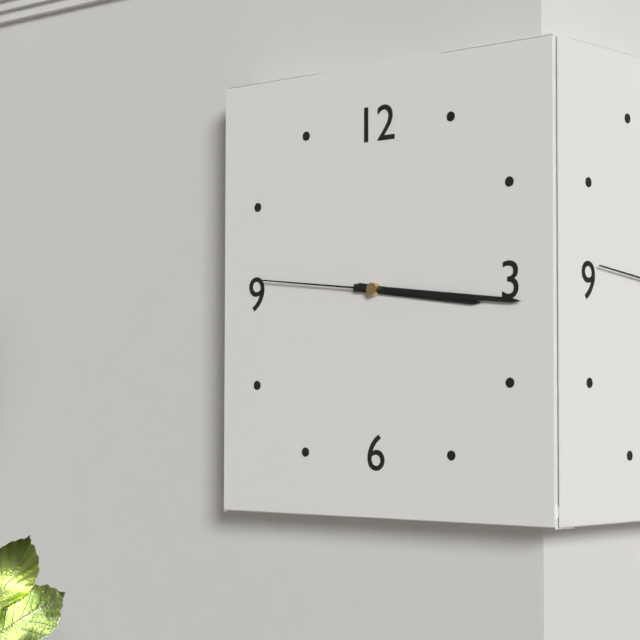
3,16,46
